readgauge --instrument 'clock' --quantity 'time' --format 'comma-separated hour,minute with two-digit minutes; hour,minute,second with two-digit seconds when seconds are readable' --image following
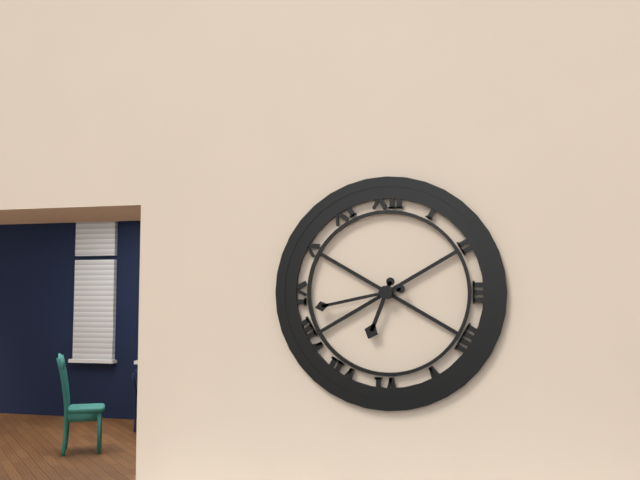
6,43
